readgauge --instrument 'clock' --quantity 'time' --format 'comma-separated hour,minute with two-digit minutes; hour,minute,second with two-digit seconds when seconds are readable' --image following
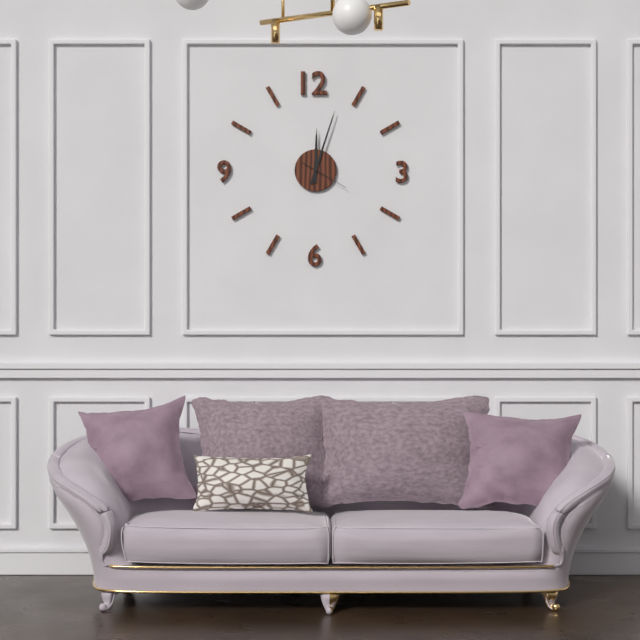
12,03
